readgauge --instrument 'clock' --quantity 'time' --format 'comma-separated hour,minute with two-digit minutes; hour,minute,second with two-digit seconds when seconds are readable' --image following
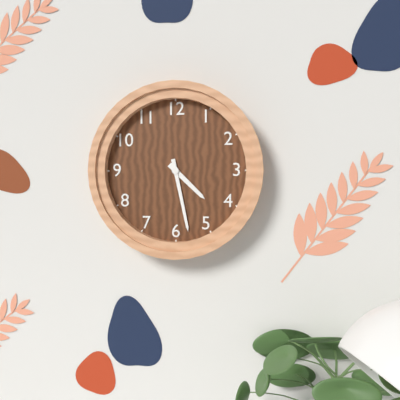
4,28
